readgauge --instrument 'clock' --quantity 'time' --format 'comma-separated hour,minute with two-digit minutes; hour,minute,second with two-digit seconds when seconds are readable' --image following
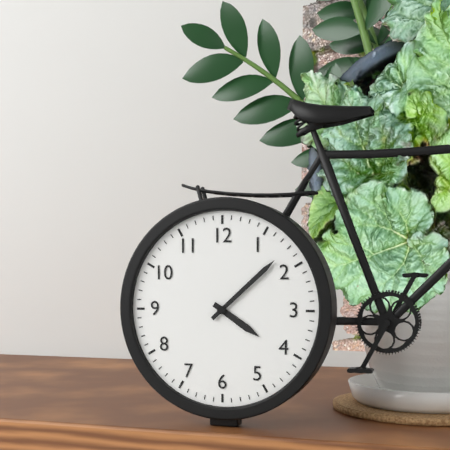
4,08
